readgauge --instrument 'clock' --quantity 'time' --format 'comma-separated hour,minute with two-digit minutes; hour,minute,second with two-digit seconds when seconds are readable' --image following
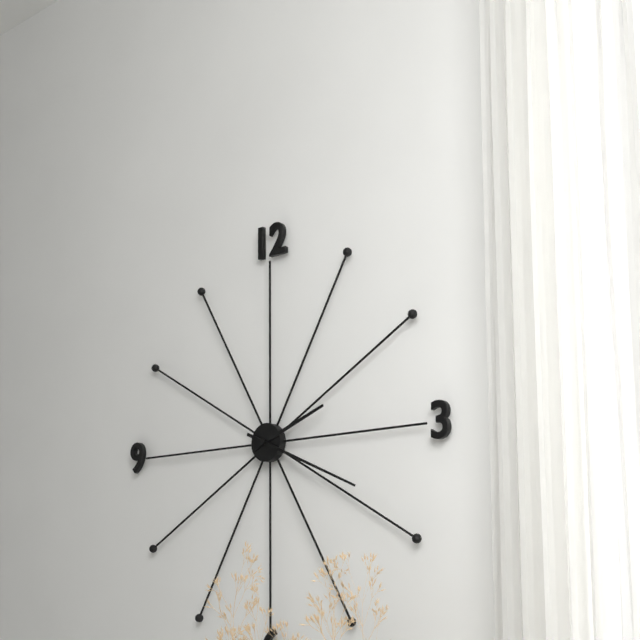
2,19
